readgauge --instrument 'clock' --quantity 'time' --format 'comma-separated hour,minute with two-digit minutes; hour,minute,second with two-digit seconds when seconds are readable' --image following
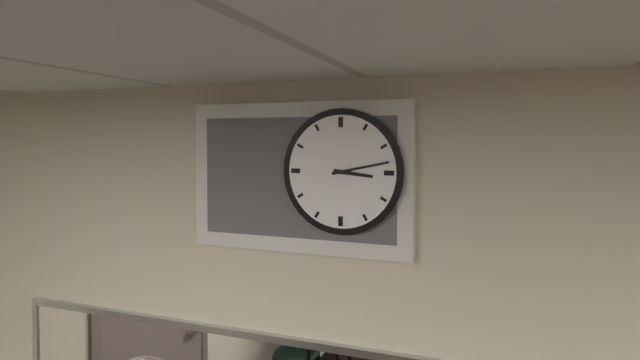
3,13
